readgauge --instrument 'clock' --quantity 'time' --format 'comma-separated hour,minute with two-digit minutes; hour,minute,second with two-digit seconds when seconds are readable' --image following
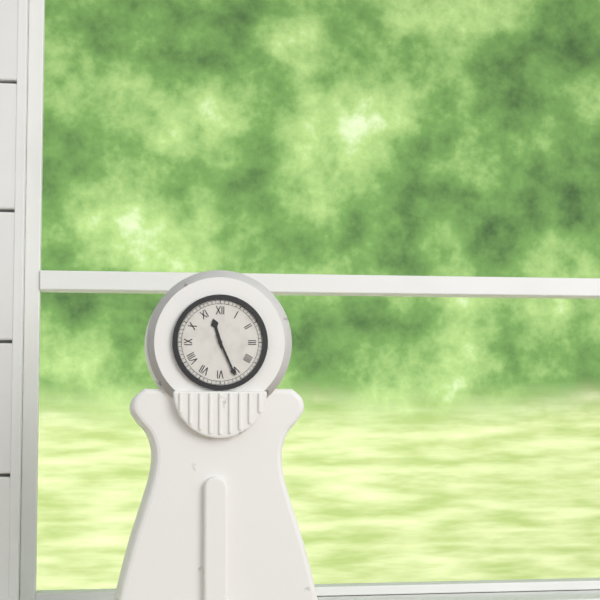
11,26
